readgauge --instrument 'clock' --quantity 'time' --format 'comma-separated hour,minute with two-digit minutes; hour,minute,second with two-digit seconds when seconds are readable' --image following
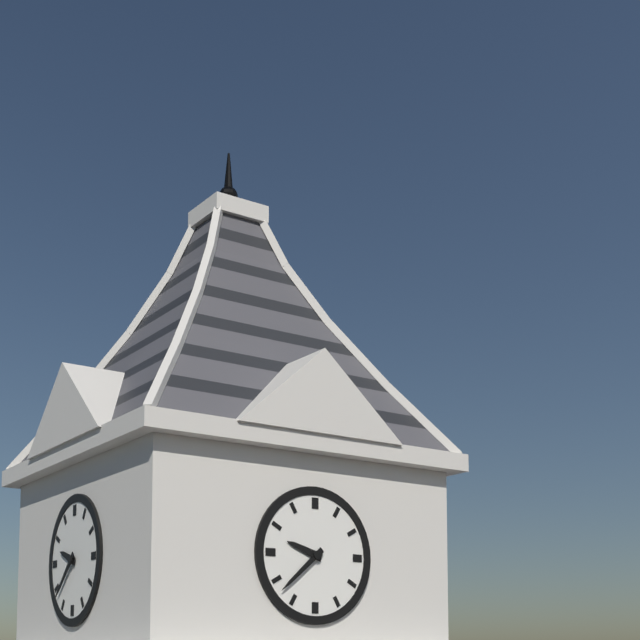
9,38
